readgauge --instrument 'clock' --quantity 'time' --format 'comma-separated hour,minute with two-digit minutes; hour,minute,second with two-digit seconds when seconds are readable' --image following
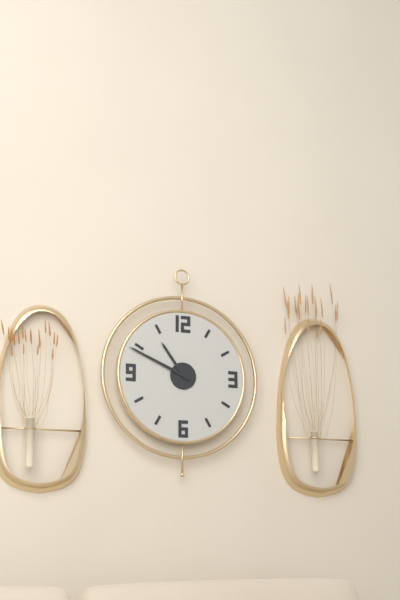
10,49
